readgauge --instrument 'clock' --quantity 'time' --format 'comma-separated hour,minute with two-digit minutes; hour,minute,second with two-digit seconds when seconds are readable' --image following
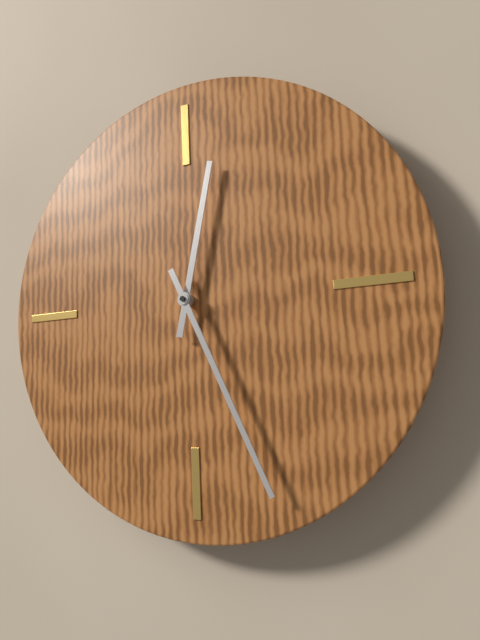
12,26
